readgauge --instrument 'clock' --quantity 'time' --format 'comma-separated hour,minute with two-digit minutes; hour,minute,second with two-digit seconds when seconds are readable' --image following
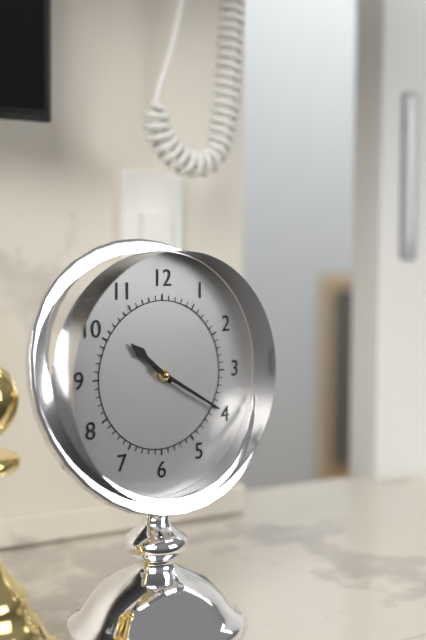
10,20
